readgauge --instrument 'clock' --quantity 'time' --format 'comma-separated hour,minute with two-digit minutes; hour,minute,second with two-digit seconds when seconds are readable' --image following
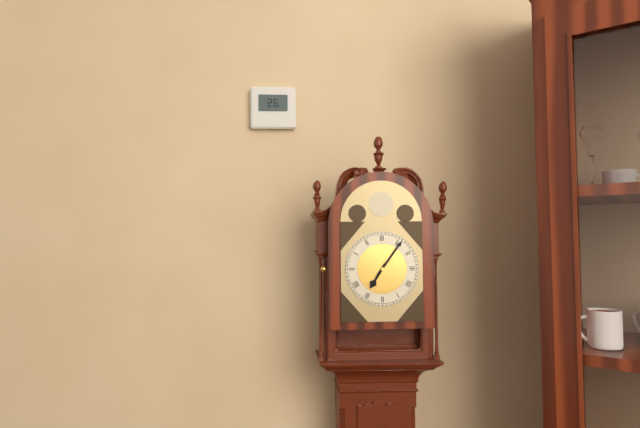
7,06
